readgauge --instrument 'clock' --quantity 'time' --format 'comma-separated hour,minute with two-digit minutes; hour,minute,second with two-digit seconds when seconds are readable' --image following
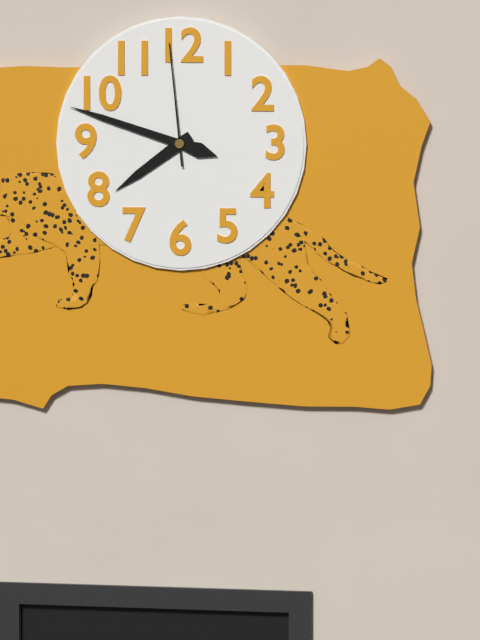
7,48,59
